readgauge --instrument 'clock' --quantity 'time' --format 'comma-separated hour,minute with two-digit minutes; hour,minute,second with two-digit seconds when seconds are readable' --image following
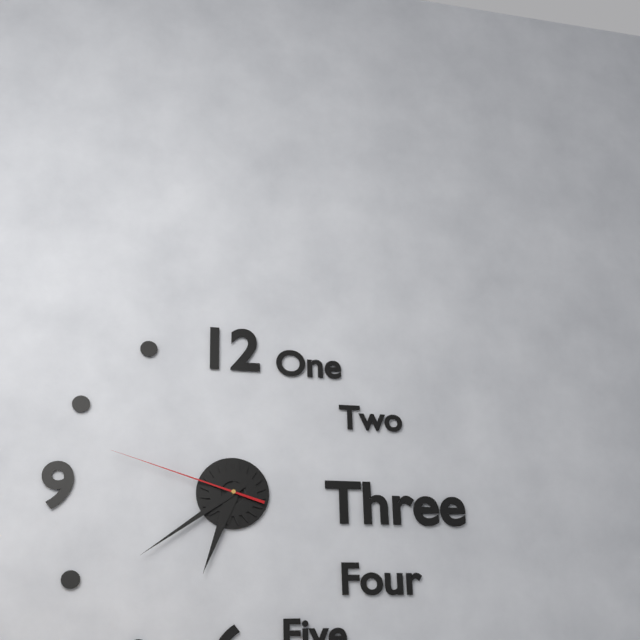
6,39,48
